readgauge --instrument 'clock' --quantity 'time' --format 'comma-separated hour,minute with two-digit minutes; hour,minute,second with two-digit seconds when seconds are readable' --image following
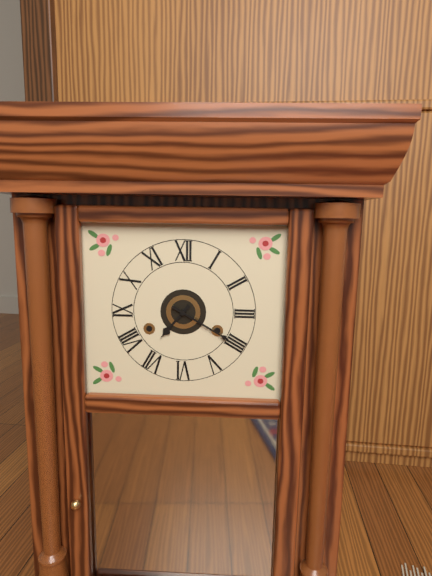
7,20
